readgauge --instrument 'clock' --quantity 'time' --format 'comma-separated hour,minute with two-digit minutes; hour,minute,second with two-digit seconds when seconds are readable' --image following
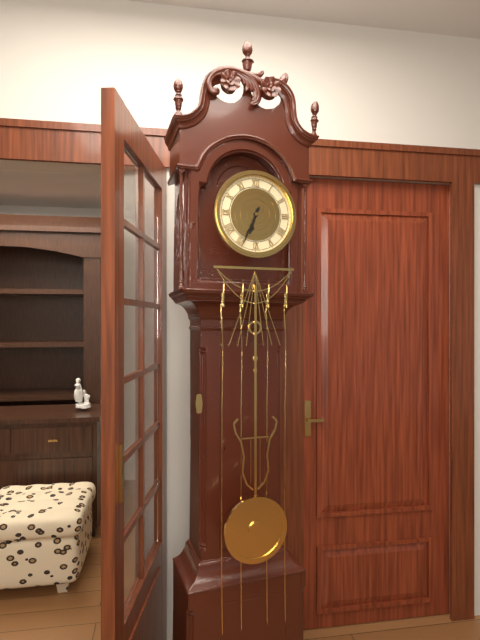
6,34
